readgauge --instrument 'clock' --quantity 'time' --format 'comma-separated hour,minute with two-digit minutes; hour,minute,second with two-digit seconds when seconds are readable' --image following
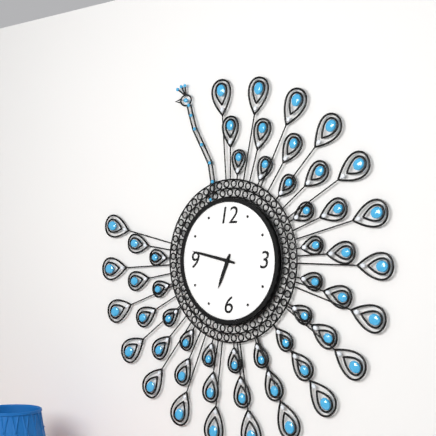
6,47
